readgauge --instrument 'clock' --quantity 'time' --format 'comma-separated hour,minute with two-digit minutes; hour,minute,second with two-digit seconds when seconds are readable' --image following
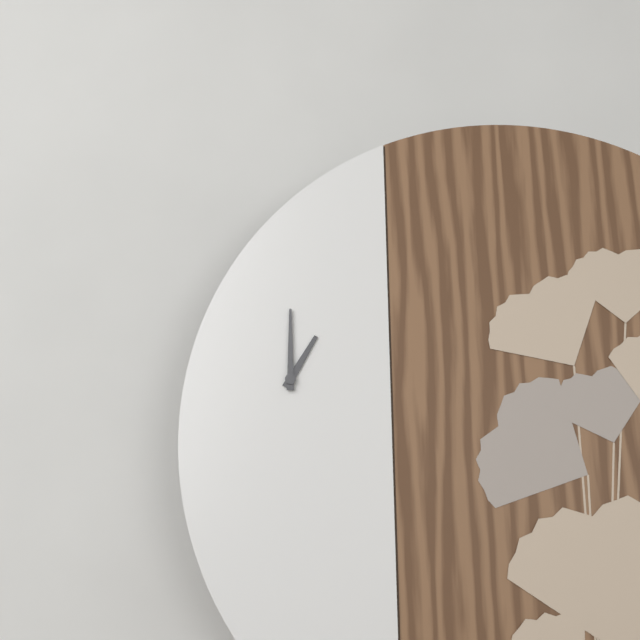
1,00
